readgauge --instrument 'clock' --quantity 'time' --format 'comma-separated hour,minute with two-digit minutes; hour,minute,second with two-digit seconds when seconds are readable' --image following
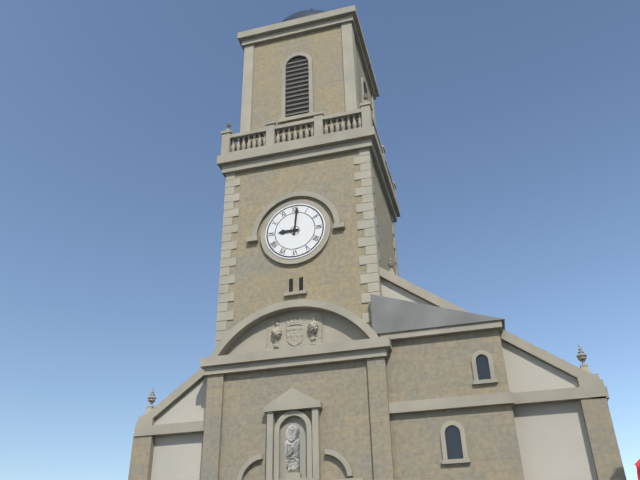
9,01
